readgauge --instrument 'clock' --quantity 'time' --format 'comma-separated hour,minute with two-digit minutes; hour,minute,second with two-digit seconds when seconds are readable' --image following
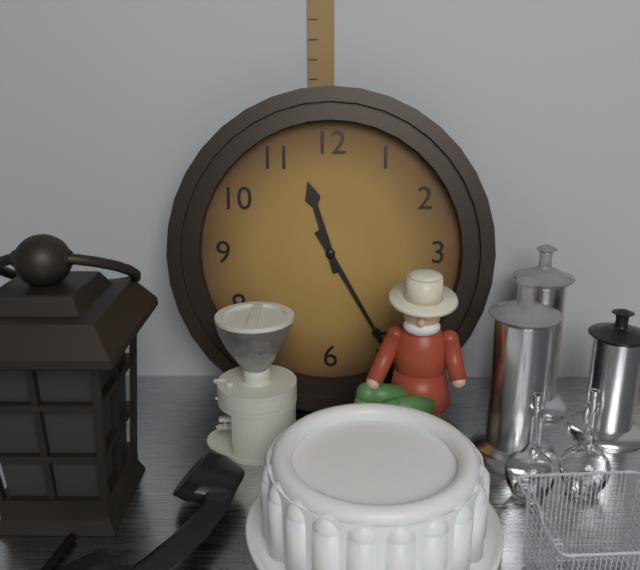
11,25
